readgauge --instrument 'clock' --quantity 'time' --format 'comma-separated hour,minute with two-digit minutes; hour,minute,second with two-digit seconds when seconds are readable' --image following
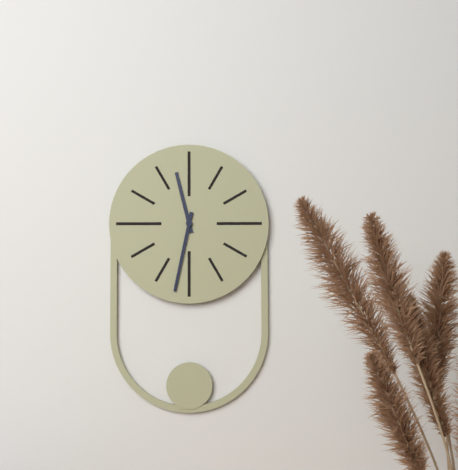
11,32
